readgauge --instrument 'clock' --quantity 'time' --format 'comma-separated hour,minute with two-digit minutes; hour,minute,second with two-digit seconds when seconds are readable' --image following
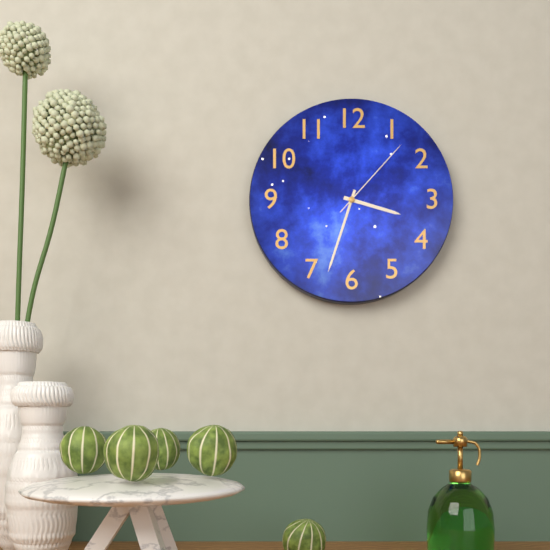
3,33,07
